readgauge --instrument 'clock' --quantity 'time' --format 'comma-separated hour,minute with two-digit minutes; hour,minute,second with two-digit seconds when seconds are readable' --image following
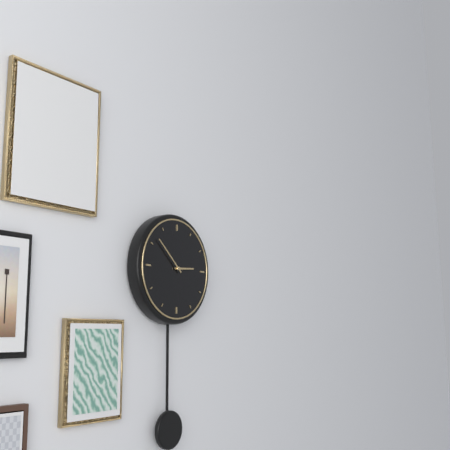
2,52
